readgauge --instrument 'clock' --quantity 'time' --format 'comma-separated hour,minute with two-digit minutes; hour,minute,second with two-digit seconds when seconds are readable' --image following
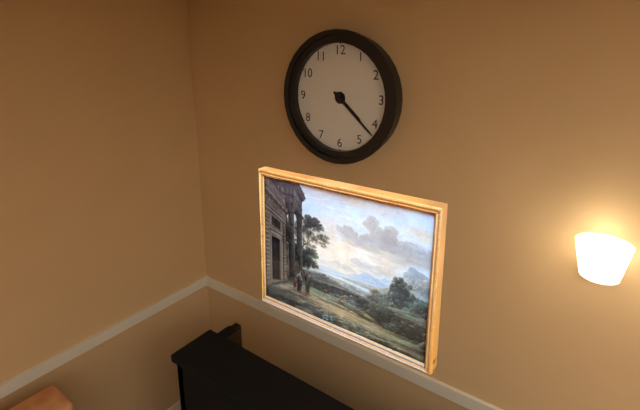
4,22
